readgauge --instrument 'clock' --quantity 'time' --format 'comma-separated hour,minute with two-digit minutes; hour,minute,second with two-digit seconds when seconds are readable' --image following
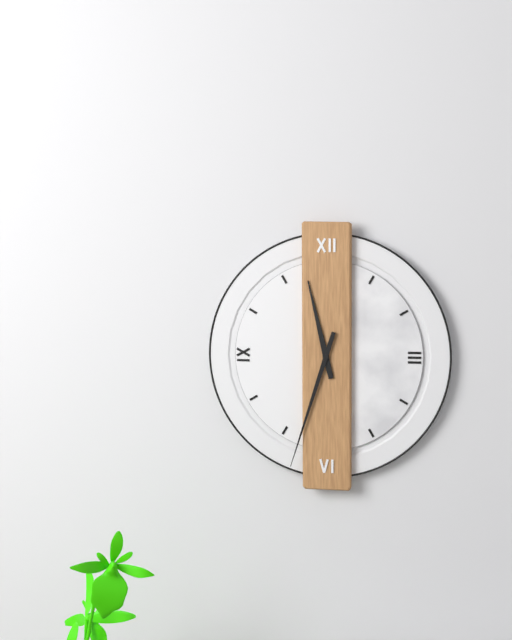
11,33
